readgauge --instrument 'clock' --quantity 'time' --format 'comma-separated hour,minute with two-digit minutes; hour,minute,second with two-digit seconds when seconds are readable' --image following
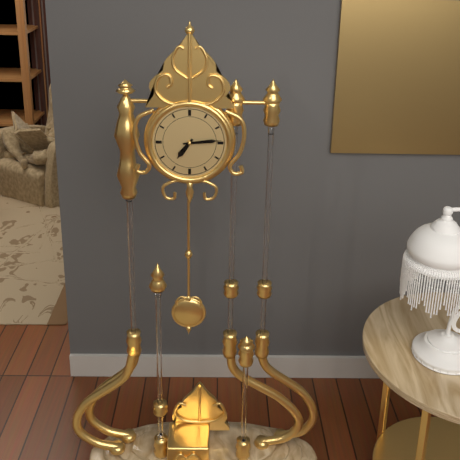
7,14
